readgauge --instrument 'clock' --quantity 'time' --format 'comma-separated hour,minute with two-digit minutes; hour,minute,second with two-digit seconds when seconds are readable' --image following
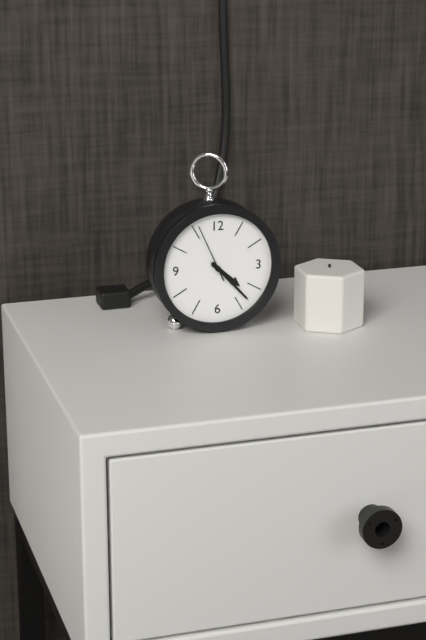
4,23,56
